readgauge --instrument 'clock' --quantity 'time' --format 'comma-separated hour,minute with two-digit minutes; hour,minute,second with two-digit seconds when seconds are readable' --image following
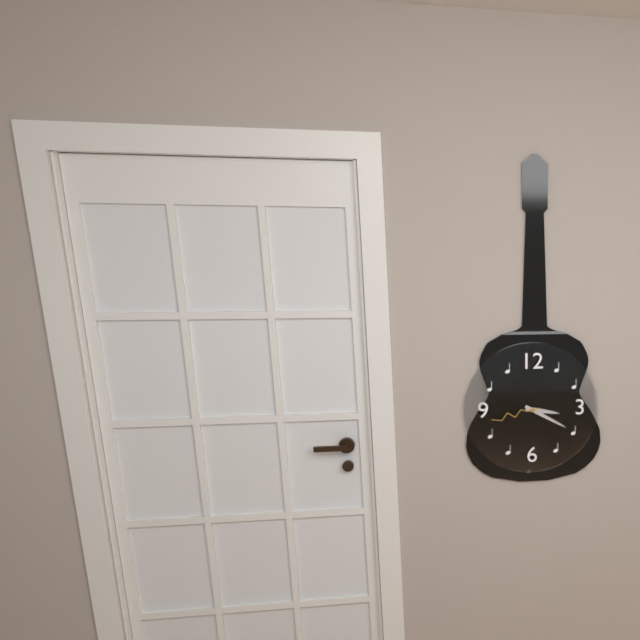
3,20,43
